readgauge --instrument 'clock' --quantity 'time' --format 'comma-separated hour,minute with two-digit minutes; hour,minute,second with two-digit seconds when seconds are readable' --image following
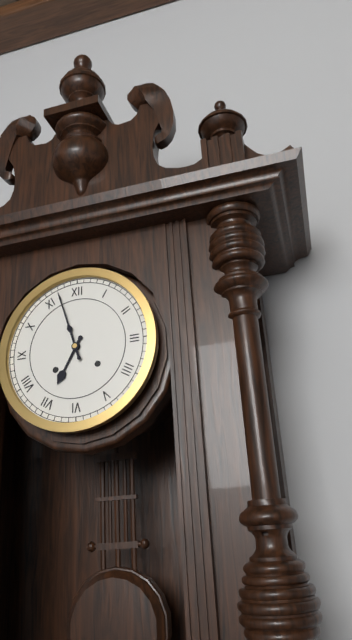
6,57
